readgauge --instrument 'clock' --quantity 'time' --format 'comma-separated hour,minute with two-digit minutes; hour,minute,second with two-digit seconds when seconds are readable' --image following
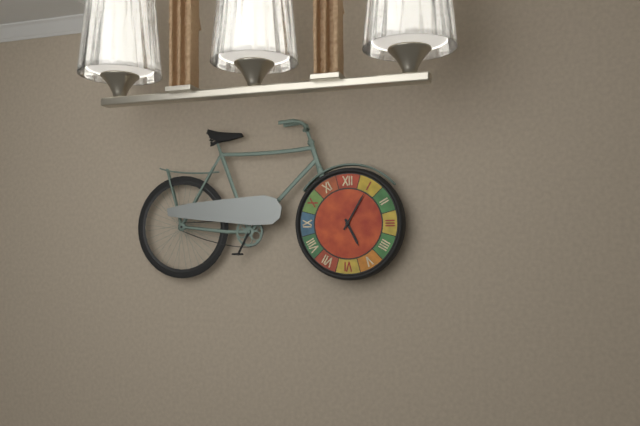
5,05
